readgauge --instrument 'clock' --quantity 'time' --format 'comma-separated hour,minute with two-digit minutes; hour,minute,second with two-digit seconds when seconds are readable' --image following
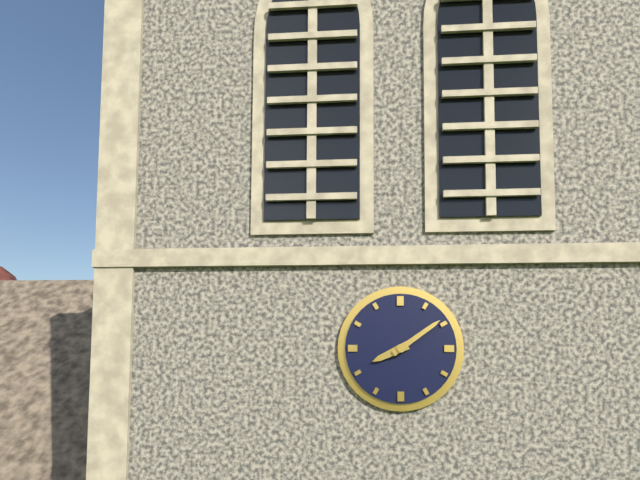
8,09
